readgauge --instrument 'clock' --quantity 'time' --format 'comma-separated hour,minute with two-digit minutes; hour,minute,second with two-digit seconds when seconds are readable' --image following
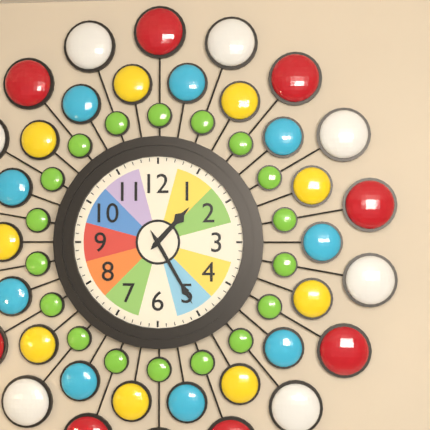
1,25
